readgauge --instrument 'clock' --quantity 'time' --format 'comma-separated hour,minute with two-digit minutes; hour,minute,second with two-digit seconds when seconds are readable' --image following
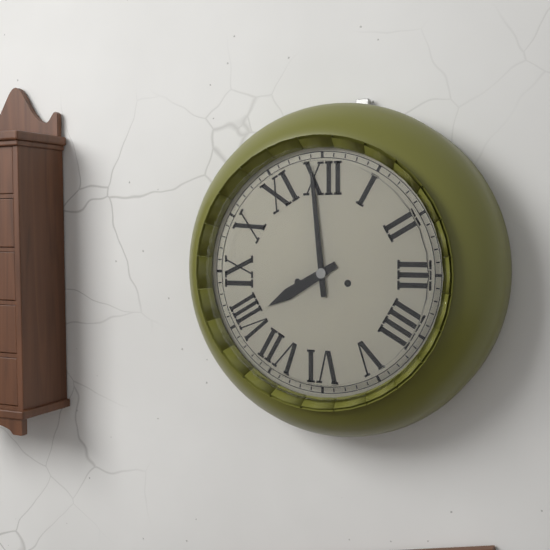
7,59
